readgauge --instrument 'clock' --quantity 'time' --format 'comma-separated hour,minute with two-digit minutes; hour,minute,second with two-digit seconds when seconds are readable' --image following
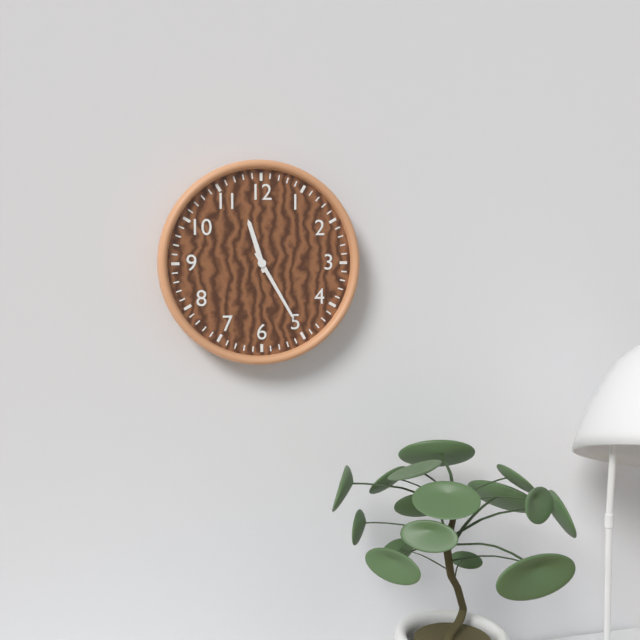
11,25
